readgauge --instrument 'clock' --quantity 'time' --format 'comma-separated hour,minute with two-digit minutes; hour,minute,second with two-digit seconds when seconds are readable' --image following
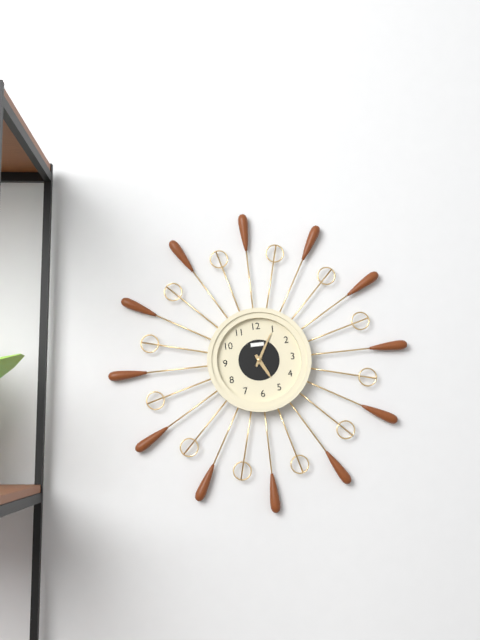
5,05
